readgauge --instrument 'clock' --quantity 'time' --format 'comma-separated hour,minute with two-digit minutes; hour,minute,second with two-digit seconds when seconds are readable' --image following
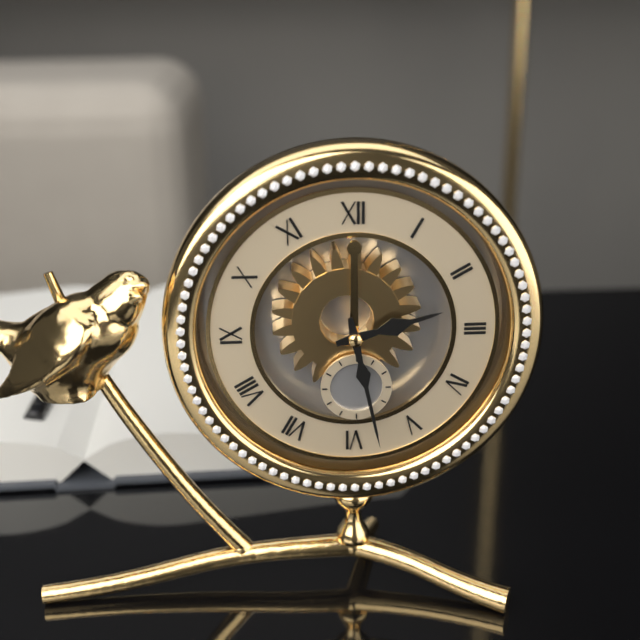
2,28
